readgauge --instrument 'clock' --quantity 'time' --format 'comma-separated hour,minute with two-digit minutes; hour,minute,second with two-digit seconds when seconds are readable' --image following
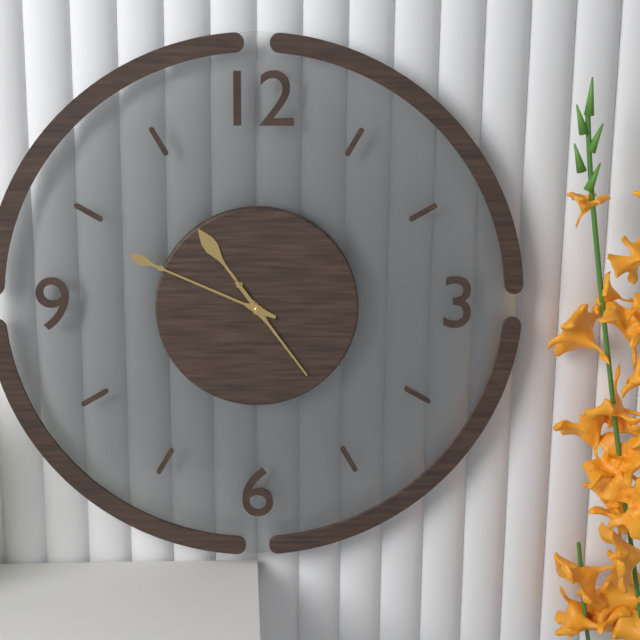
10,49,24
